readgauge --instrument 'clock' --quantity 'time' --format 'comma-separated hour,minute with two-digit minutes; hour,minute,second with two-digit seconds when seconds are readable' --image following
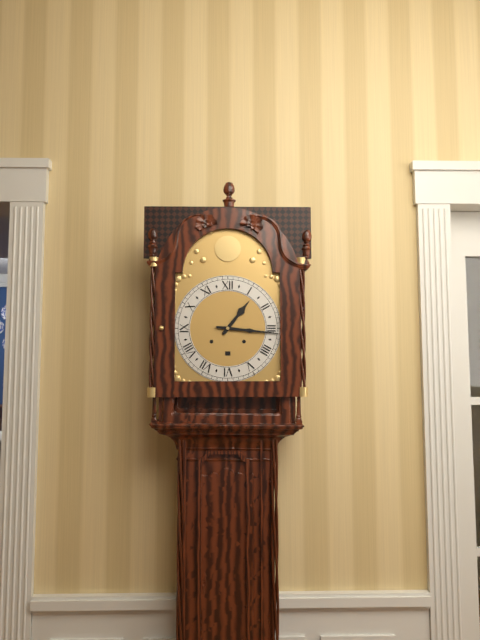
1,16
